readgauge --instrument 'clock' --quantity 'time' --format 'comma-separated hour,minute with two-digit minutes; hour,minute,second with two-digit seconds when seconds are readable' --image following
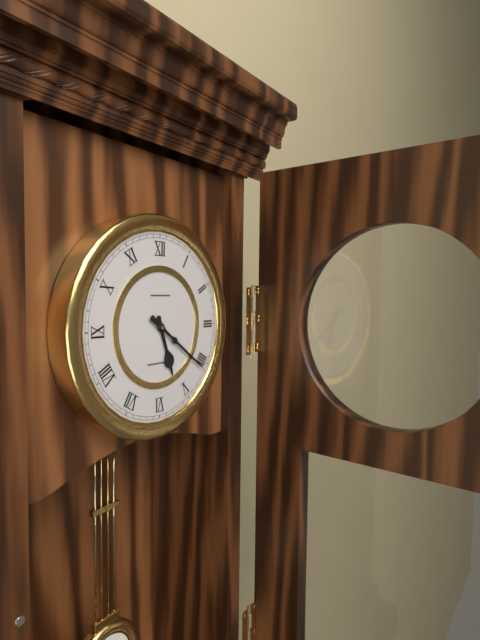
5,21
